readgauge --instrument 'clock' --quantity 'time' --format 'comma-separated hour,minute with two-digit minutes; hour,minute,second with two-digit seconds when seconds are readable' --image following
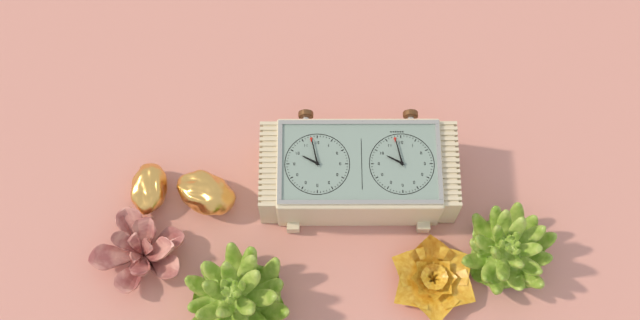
9,58
